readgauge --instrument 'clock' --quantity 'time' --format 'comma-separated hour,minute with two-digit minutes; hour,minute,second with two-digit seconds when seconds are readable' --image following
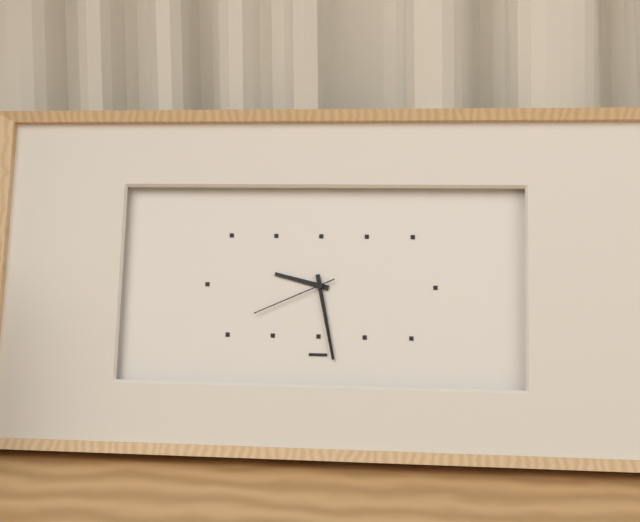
9,28,41
